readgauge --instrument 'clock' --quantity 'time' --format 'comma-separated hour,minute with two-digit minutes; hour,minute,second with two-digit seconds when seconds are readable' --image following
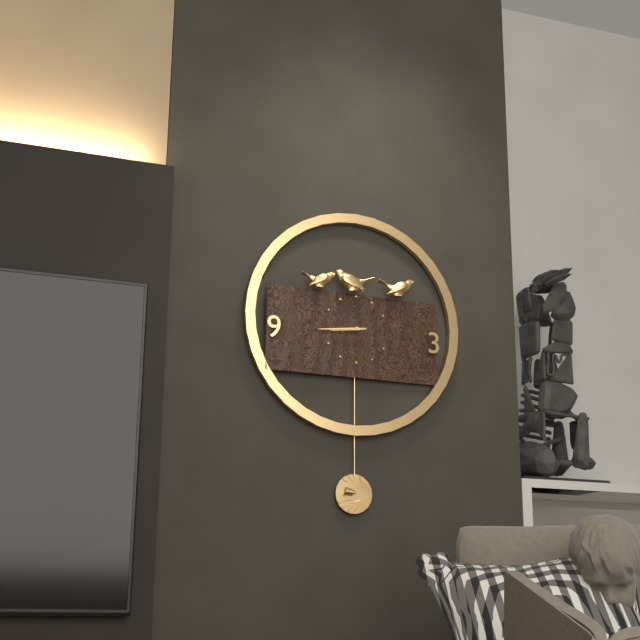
8,44
